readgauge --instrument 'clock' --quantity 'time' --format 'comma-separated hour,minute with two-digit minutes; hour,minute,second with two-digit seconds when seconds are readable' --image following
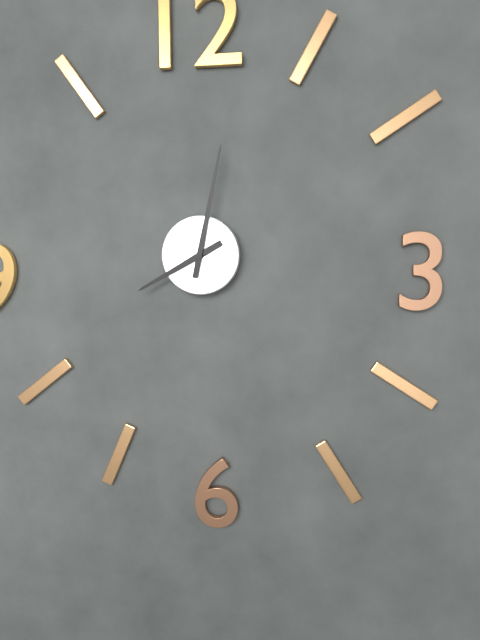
8,02
